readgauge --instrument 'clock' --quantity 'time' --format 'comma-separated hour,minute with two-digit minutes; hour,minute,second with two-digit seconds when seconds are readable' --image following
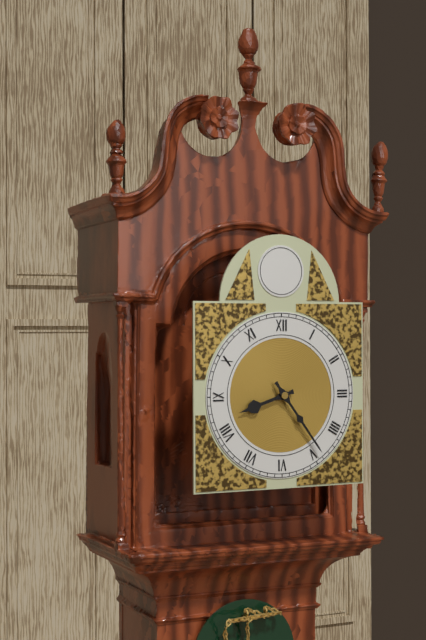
8,24
